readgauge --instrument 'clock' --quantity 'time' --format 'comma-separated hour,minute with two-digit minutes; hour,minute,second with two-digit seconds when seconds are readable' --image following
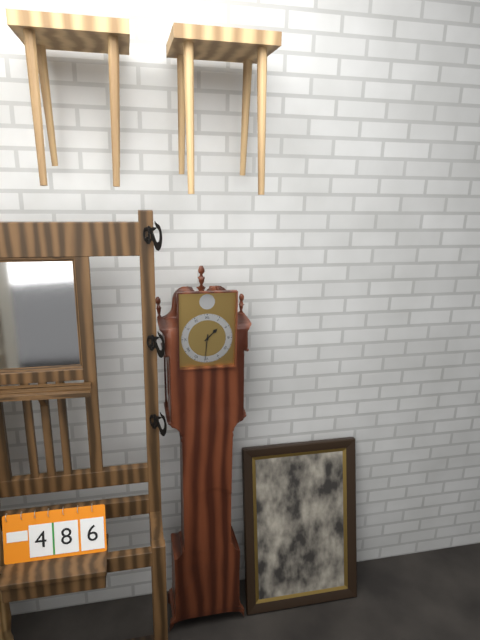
1,31
